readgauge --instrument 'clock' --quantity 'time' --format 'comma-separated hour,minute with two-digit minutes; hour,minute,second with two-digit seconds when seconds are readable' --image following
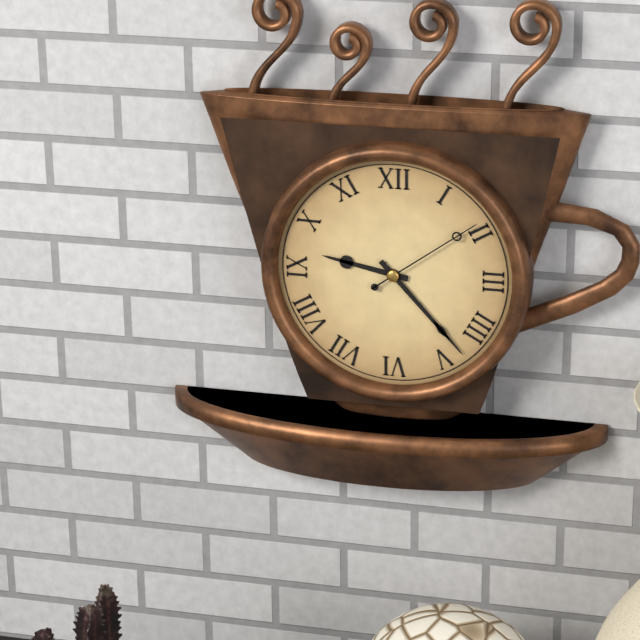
9,23,09
